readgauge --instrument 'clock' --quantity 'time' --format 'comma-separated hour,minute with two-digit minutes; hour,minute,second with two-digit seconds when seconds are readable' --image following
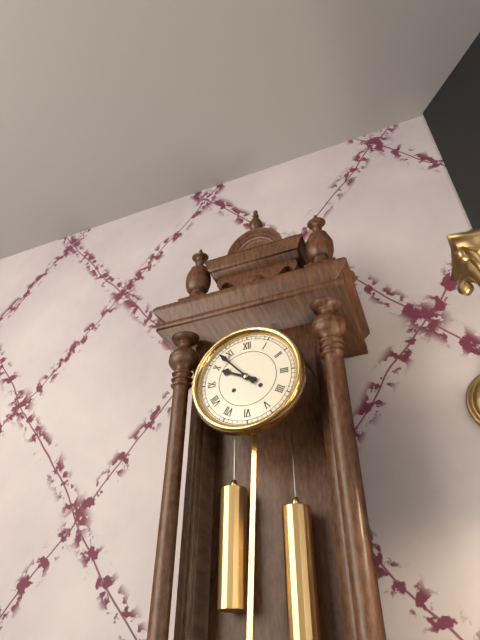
9,53
